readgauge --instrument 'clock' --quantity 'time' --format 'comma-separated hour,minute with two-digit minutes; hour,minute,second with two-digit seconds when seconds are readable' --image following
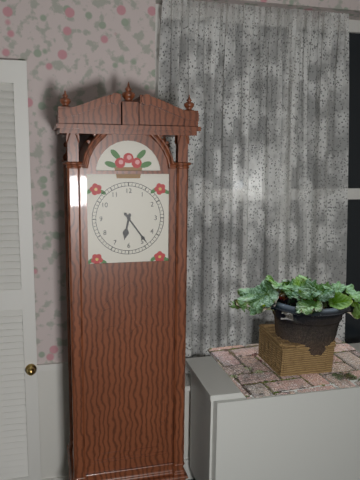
6,24
